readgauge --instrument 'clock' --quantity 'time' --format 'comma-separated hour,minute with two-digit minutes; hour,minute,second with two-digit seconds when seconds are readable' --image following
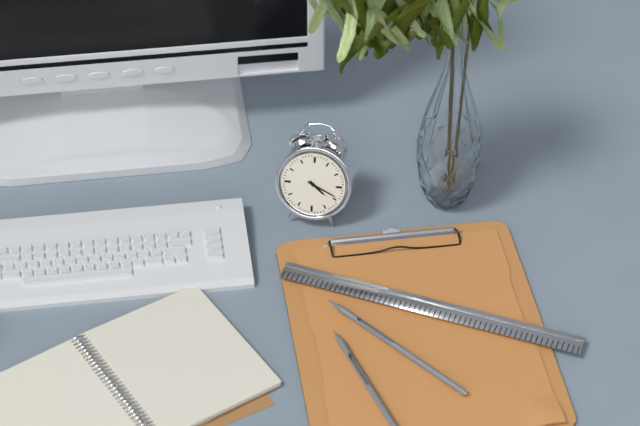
4,19
